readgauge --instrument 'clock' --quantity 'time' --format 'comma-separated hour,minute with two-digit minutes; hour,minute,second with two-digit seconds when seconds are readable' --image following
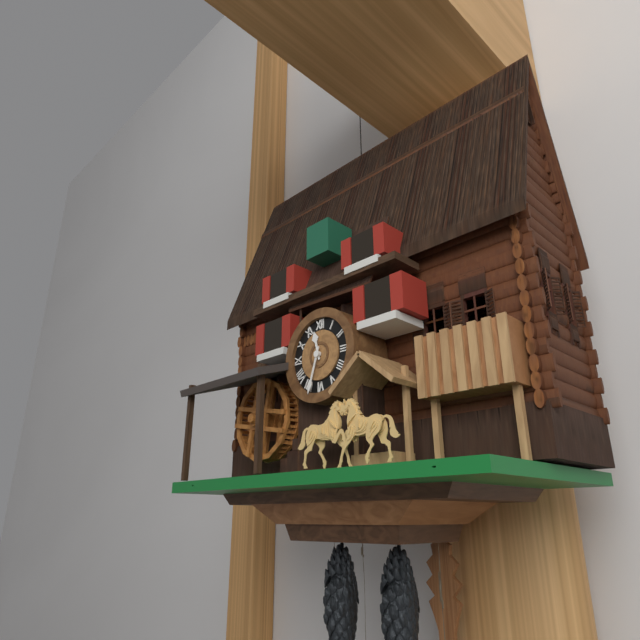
11,33
